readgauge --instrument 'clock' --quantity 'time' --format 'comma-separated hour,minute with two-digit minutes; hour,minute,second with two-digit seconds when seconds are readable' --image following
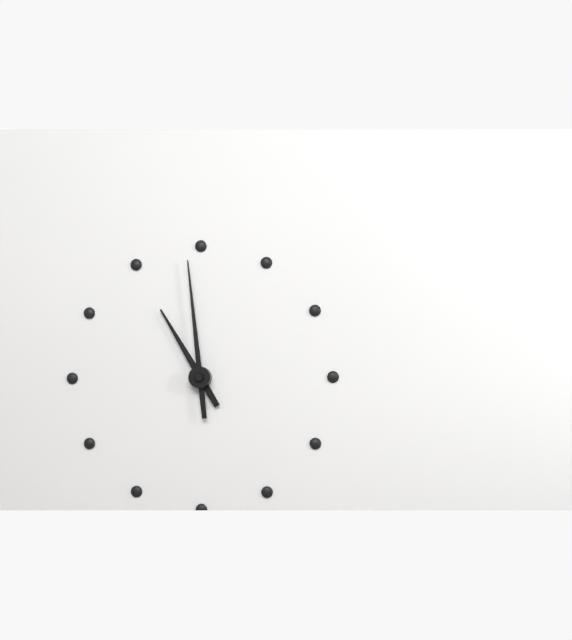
10,59
